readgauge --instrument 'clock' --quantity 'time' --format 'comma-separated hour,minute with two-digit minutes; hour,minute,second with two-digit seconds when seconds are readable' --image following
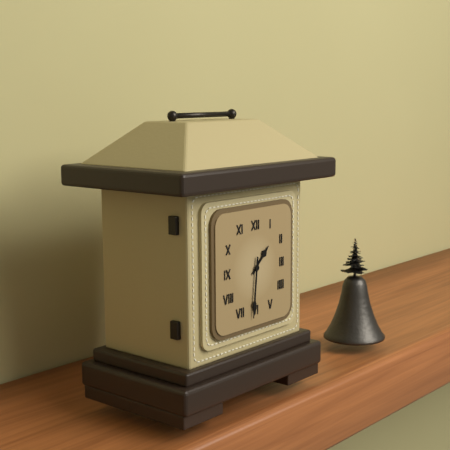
1,31
